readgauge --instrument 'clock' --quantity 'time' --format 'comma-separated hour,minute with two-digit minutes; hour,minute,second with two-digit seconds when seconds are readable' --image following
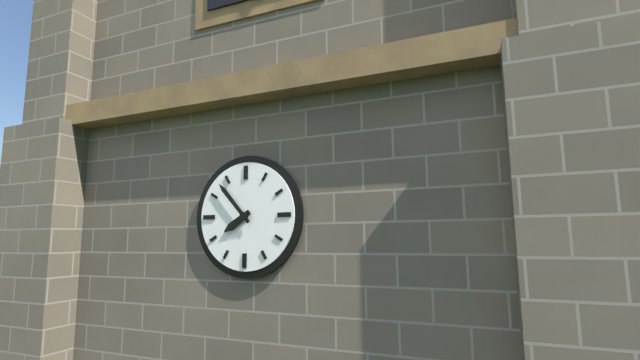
7,53
